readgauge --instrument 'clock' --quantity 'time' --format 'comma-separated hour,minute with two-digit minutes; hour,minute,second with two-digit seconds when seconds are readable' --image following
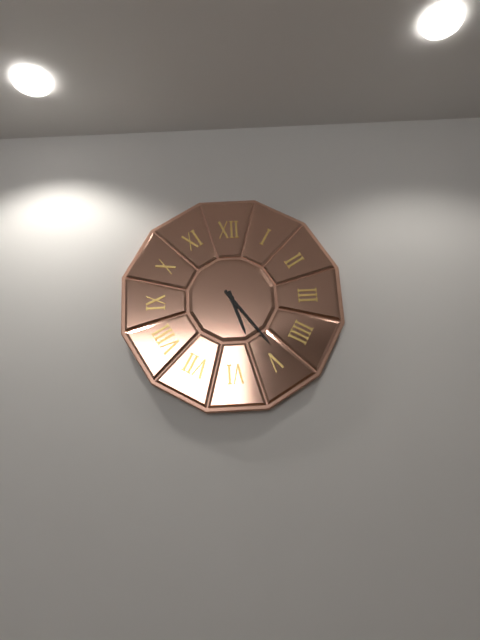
5,24
